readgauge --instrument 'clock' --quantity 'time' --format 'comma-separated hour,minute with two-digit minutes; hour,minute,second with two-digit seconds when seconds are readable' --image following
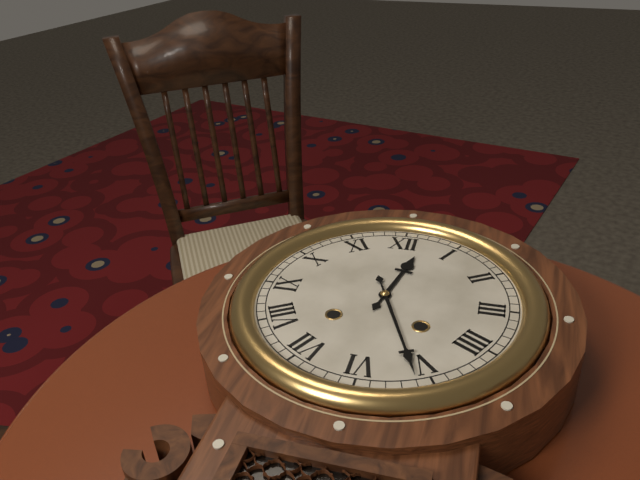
12,26
